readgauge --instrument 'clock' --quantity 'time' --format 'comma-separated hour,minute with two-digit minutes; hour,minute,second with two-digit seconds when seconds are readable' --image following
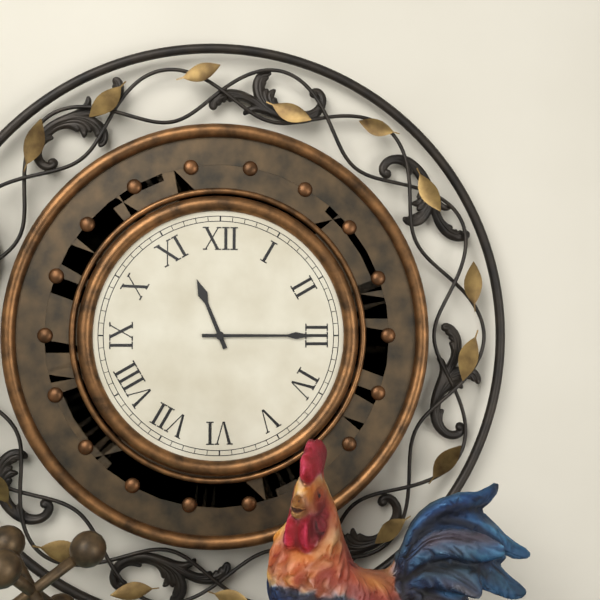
11,15
